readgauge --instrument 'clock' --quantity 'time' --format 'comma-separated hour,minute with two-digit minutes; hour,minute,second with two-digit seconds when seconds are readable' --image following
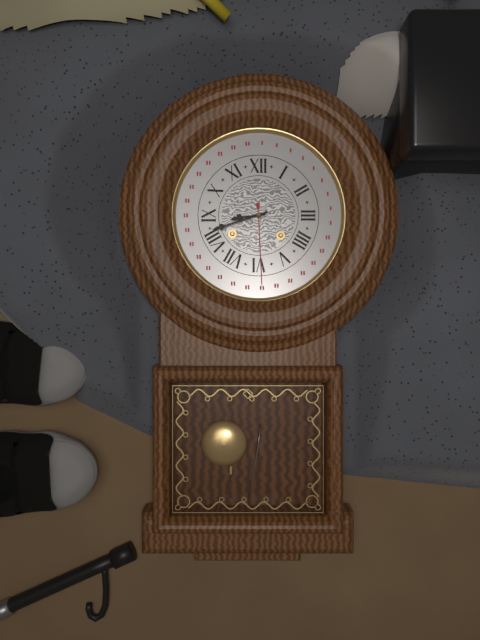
8,42
